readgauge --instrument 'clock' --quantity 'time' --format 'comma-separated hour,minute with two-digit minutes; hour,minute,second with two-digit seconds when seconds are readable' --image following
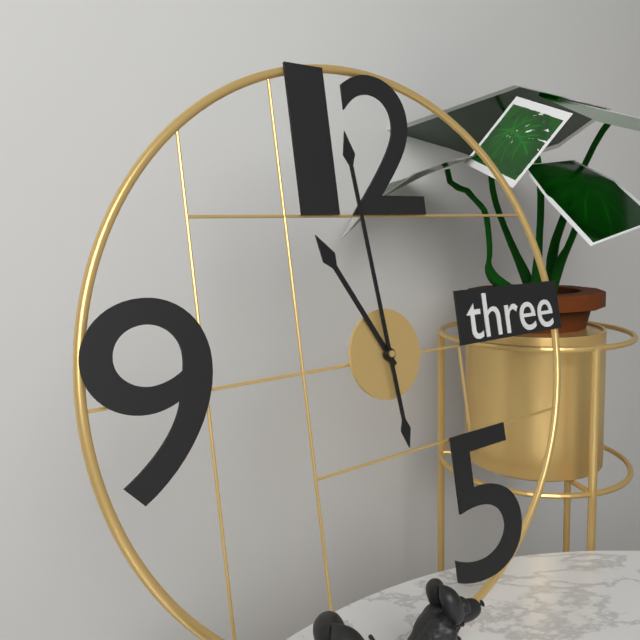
10,59
